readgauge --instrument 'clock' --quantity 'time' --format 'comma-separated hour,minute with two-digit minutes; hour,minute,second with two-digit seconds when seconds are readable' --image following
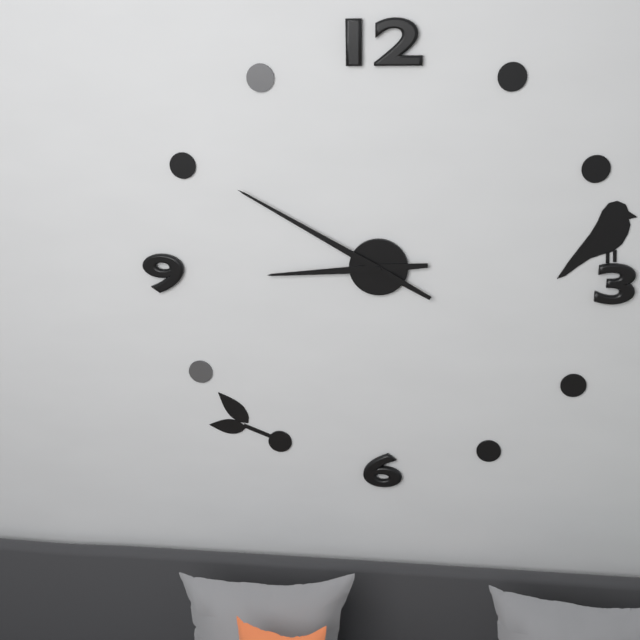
8,50
